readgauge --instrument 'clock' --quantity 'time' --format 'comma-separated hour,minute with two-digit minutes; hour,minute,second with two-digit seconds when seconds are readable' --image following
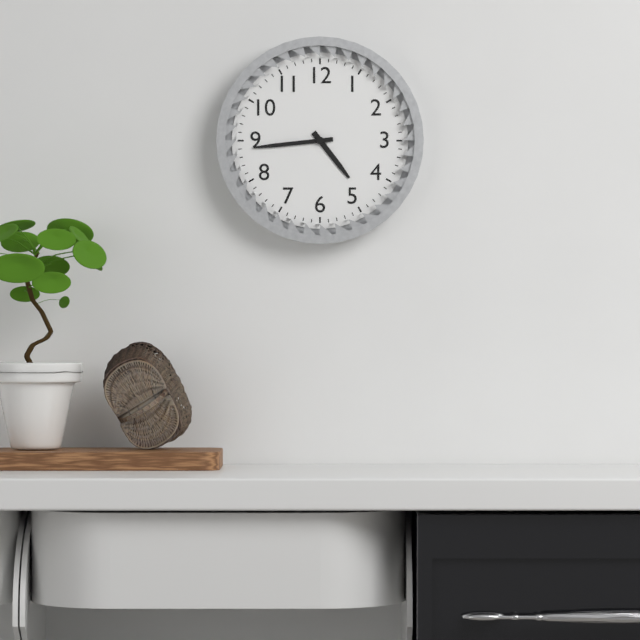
4,44
